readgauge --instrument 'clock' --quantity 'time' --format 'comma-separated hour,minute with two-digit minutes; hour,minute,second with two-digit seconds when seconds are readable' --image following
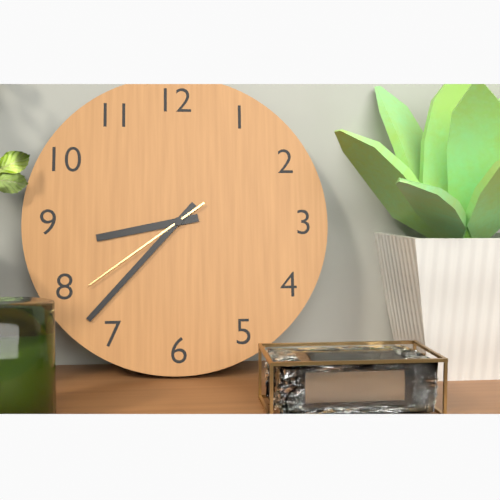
8,37,39
